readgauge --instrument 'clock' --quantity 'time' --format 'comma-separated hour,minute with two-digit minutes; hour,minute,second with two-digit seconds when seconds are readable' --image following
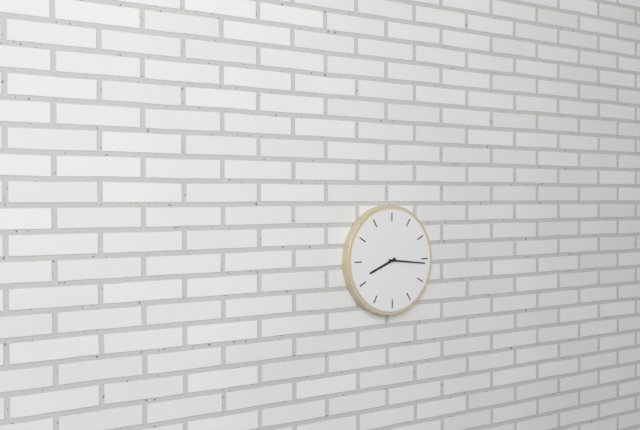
8,16
